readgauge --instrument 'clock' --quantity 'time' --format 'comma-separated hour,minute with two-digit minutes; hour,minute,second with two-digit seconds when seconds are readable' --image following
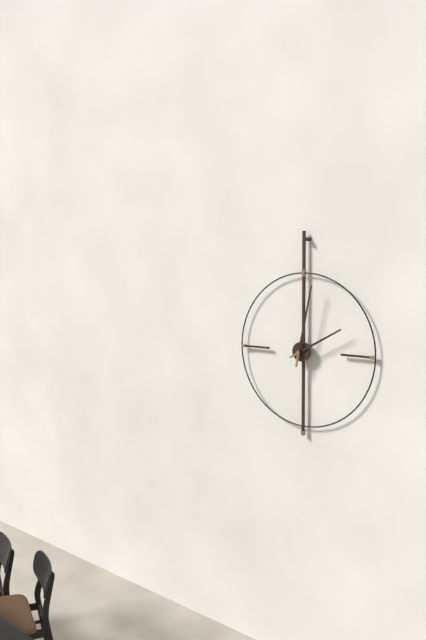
2,02
